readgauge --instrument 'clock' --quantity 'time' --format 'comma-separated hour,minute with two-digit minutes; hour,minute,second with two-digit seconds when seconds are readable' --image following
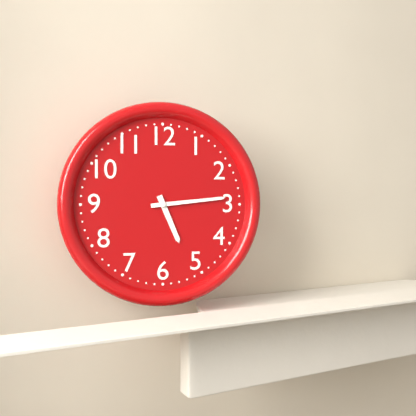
5,14
